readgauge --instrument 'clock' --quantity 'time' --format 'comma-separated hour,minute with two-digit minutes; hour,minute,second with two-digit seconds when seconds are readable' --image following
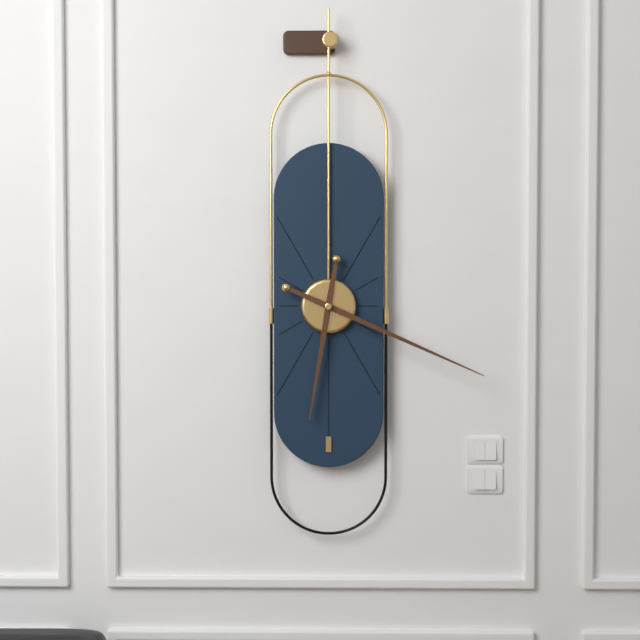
6,19
